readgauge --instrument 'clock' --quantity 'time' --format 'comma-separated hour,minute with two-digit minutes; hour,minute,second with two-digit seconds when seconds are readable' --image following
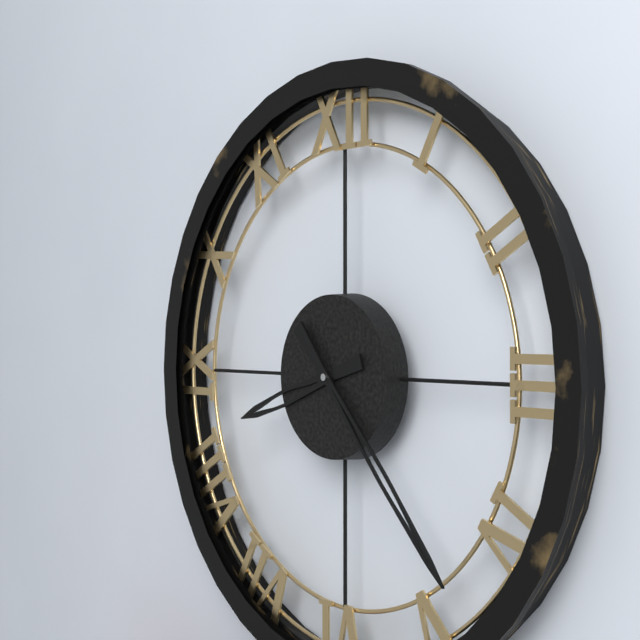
8,23
